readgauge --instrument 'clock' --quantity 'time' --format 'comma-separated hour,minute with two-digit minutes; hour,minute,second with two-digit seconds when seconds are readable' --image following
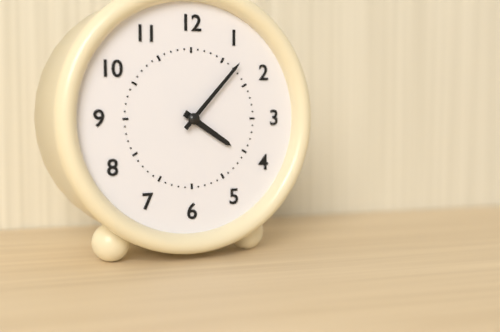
4,07
